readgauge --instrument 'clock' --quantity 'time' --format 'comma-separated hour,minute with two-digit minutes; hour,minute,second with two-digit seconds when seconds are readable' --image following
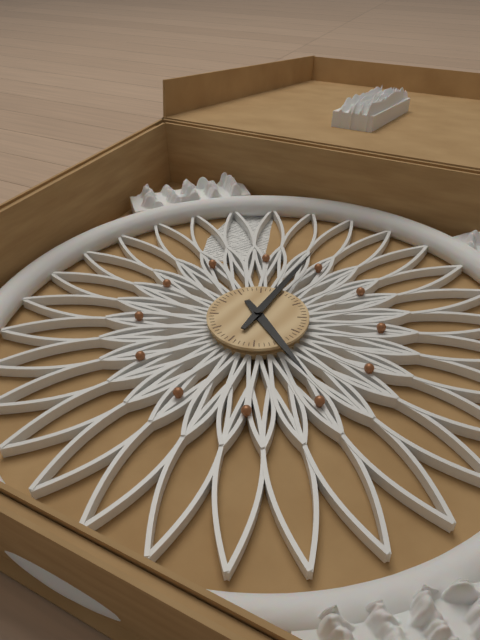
3,59
